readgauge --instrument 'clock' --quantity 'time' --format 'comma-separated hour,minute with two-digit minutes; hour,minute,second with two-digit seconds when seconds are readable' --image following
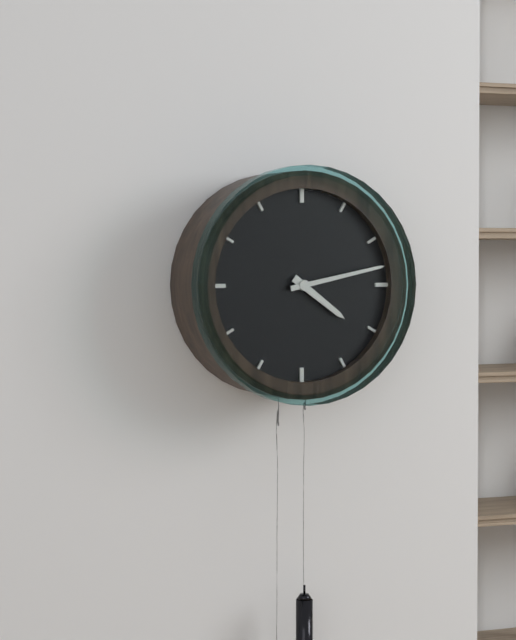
4,13
